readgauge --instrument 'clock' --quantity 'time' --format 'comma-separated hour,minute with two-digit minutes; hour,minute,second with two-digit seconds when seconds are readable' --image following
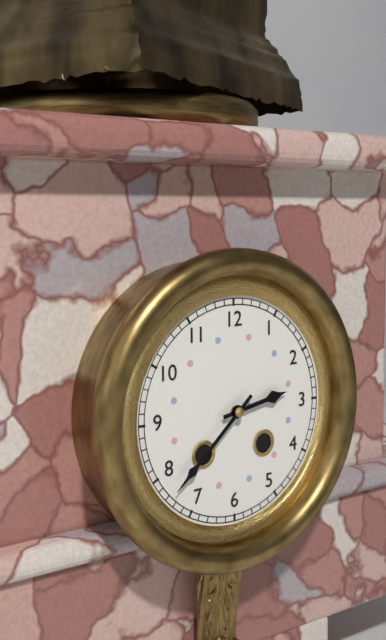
2,38
